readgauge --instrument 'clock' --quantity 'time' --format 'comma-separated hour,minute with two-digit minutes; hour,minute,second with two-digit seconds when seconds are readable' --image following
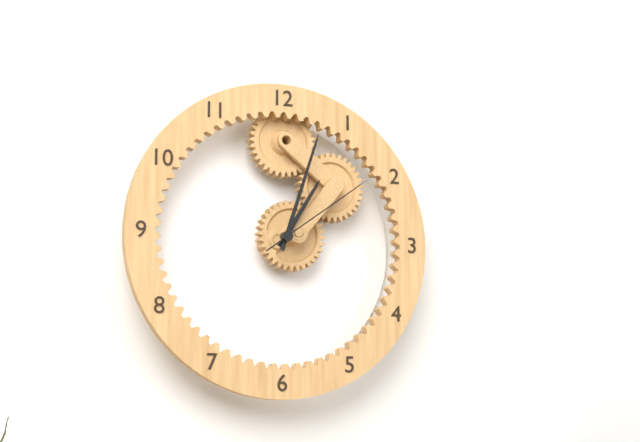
1,03,09
